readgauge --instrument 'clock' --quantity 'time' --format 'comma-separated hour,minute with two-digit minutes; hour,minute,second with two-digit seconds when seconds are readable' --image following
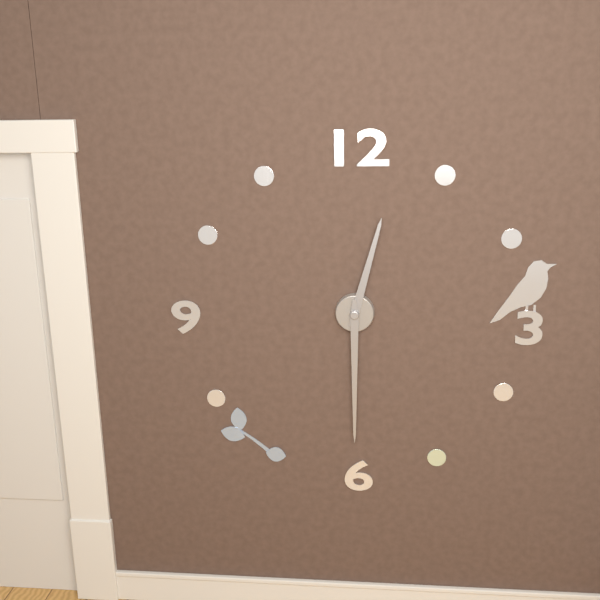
12,30
